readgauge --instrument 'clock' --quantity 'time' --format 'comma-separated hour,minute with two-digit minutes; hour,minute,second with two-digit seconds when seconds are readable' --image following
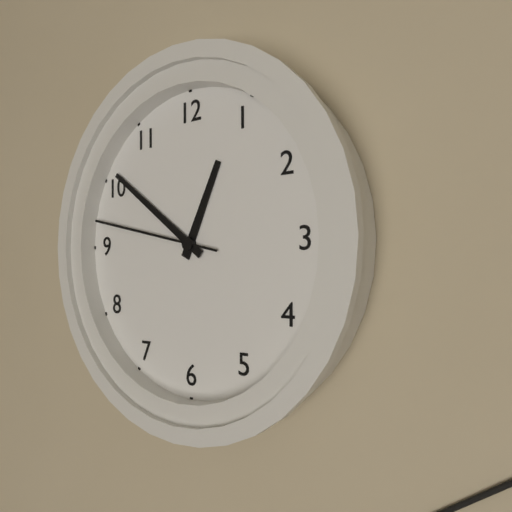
12,51,47
